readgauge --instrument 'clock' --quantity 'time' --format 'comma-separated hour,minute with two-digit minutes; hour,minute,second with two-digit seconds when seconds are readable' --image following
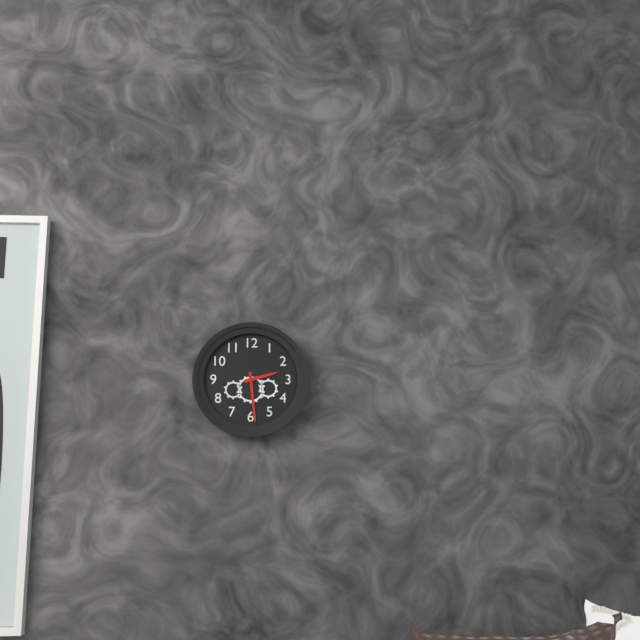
2,29
